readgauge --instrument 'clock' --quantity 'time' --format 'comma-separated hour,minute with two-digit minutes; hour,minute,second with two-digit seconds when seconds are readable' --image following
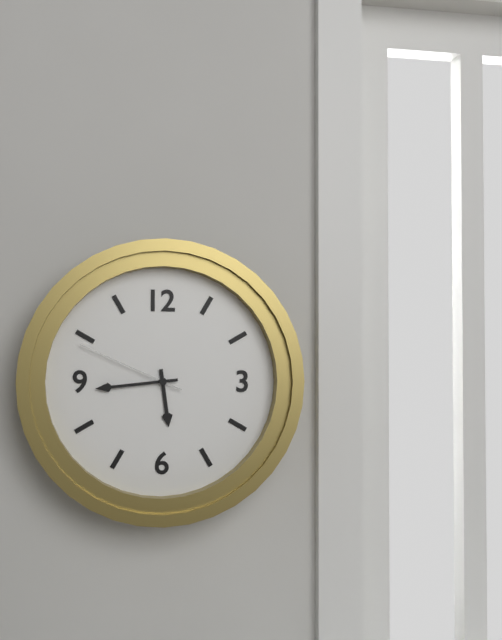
5,44,49
